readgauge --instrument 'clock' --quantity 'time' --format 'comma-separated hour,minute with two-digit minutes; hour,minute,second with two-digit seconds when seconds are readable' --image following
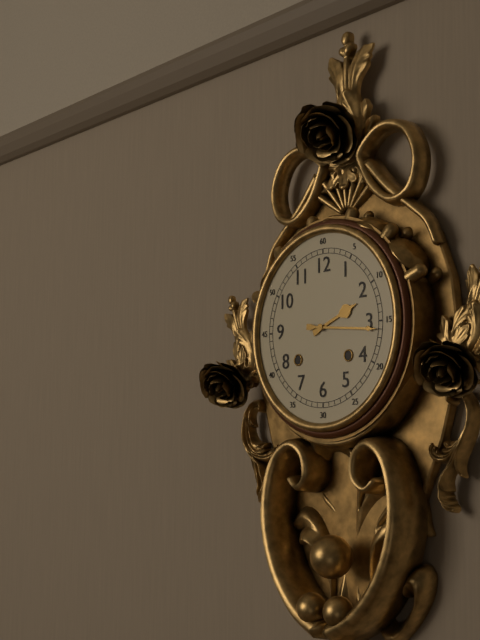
2,16
